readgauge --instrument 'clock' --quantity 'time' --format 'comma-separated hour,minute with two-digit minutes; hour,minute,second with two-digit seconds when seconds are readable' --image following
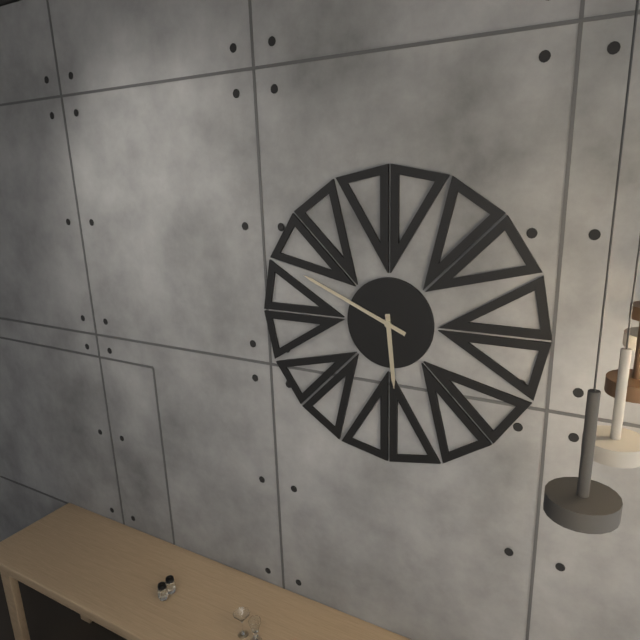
5,49
